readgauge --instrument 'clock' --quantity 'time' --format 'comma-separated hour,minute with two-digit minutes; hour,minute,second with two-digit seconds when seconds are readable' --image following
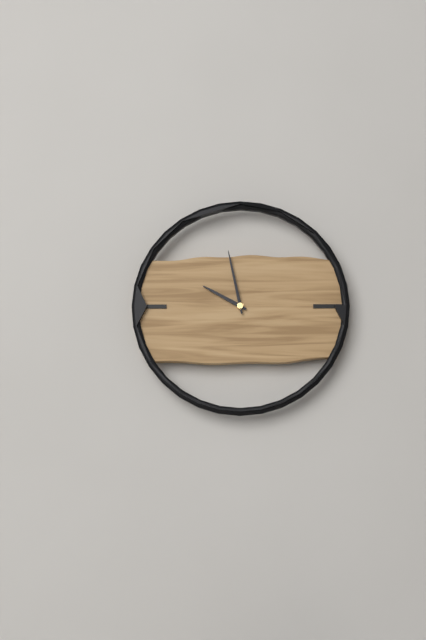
9,58
